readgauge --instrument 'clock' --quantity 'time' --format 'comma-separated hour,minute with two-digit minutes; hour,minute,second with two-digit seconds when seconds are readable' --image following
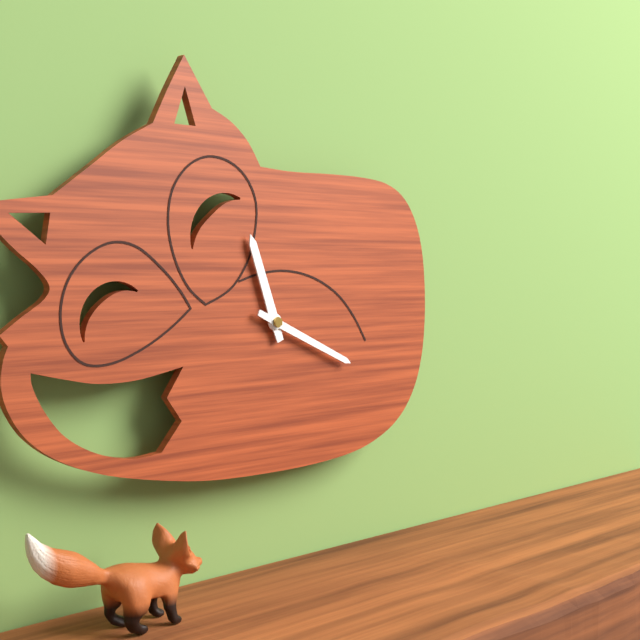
11,19
